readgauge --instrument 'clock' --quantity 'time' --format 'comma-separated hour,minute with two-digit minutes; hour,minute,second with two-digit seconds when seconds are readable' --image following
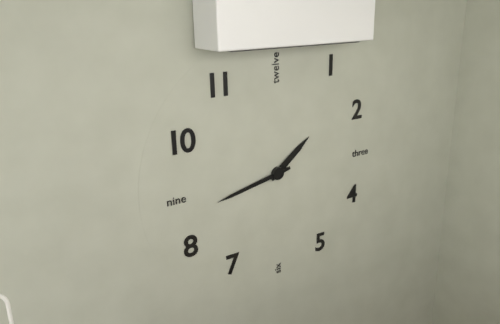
1,43
